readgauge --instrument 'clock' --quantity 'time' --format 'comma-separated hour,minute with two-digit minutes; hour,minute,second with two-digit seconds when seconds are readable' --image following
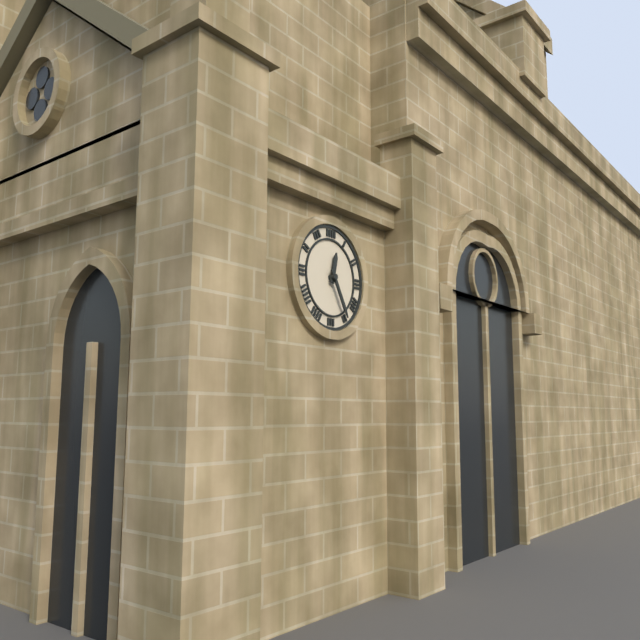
12,25
